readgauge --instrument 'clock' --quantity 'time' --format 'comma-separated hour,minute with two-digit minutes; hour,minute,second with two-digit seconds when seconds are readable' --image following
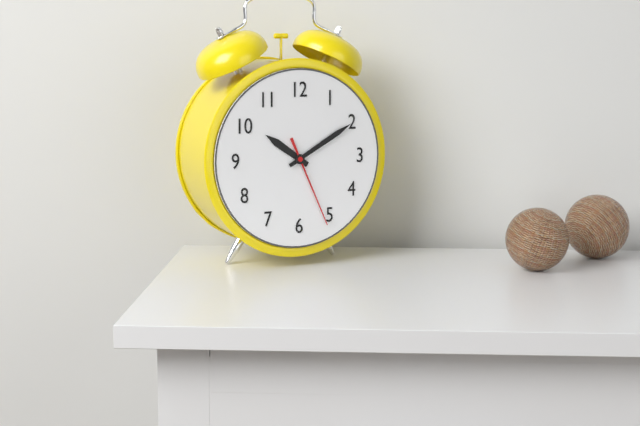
10,10,26
